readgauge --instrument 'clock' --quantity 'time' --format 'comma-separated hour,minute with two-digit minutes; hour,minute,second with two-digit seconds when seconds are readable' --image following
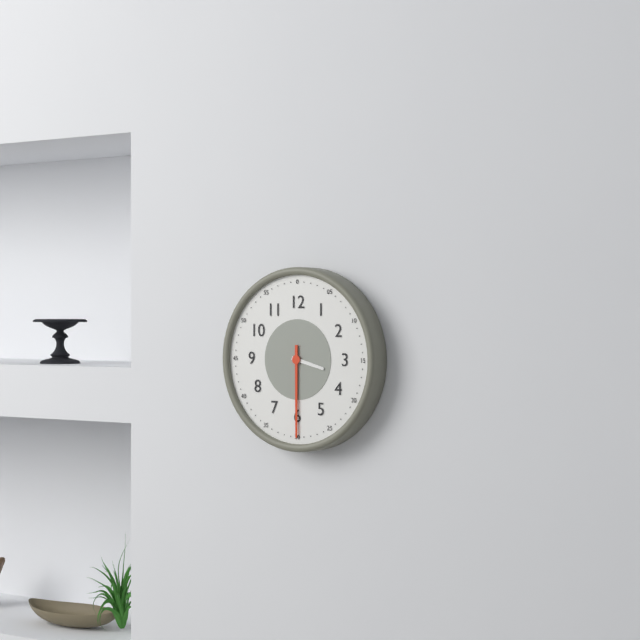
3,30
